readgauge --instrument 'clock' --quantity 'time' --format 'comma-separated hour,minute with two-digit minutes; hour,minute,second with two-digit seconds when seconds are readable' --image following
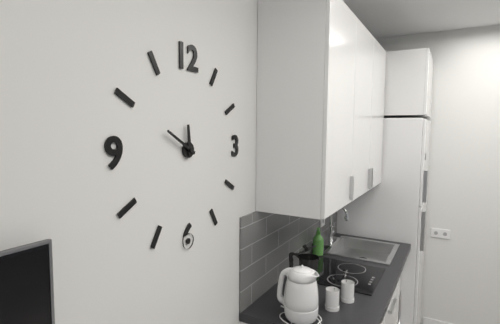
11,50
